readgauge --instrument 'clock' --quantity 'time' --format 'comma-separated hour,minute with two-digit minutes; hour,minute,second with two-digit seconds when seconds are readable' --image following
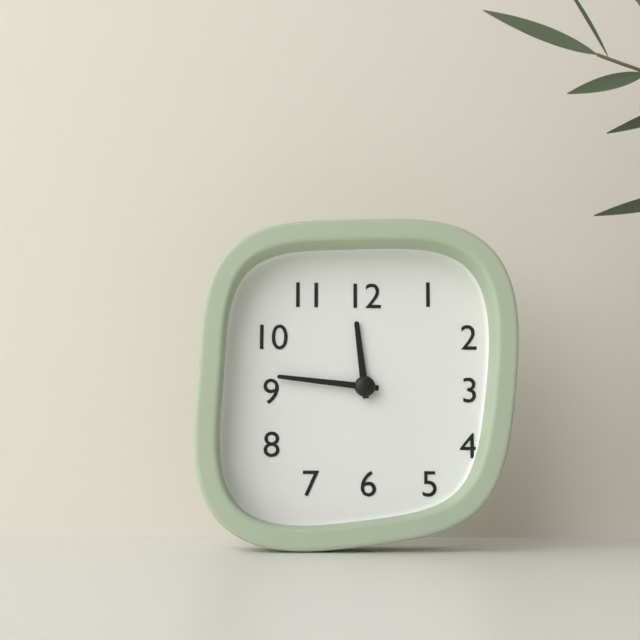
11,46
